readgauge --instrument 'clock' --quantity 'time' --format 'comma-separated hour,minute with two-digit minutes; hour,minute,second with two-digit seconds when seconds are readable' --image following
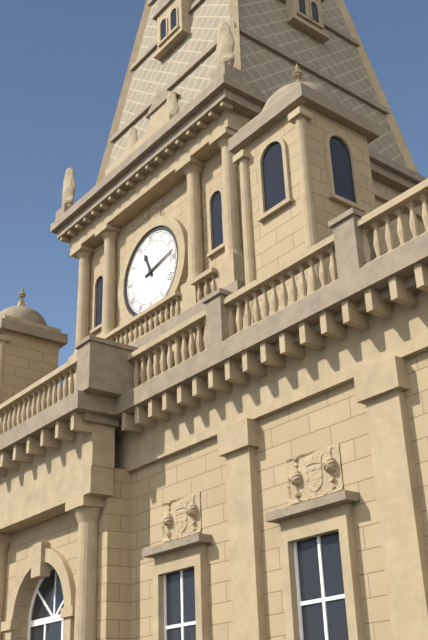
11,13
